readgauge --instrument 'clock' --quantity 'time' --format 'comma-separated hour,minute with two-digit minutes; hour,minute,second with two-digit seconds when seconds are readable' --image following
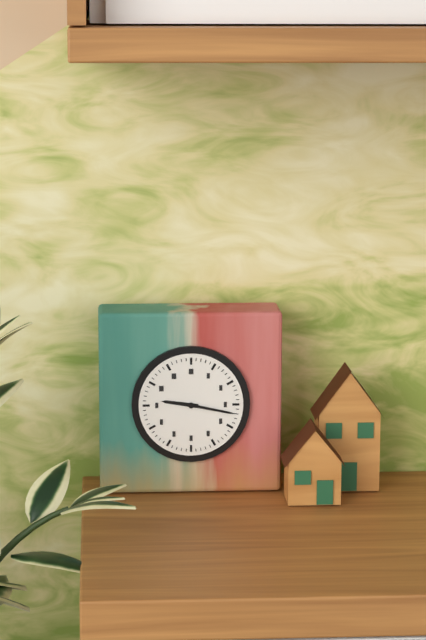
9,17
